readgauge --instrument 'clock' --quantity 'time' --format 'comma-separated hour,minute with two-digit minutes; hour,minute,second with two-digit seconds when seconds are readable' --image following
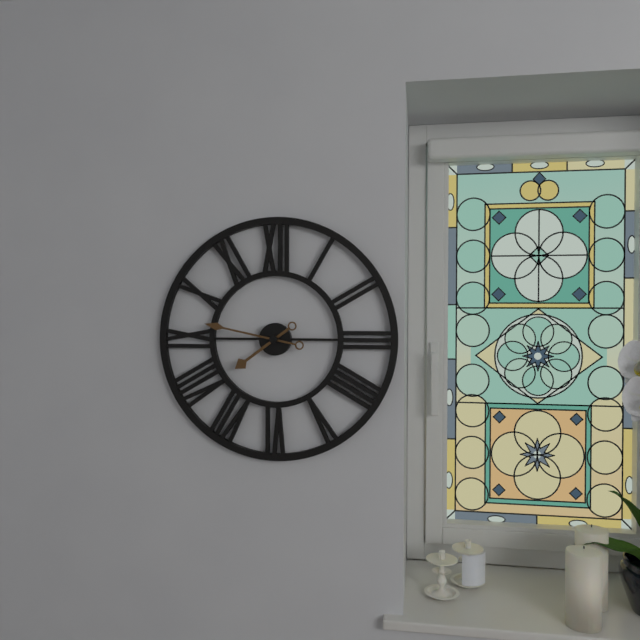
7,47
